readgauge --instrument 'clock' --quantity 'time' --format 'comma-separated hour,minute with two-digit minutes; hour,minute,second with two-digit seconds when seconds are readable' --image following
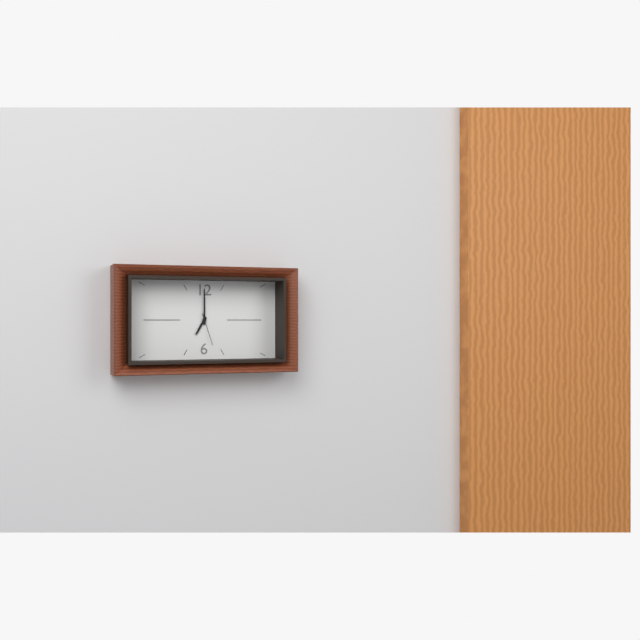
7,00
